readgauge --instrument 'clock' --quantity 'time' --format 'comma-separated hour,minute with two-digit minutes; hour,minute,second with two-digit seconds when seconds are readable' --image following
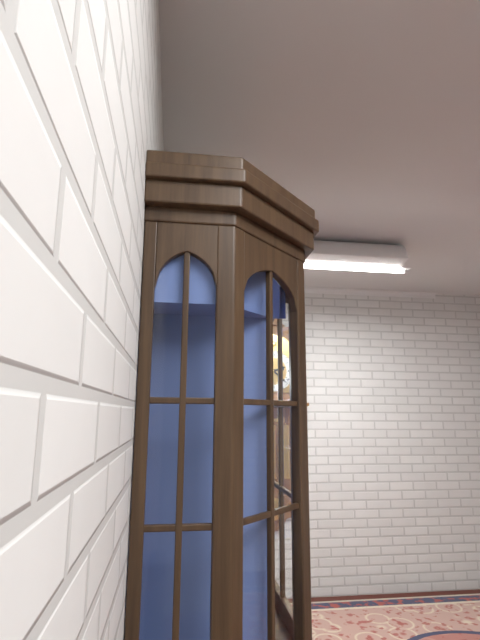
2,22
